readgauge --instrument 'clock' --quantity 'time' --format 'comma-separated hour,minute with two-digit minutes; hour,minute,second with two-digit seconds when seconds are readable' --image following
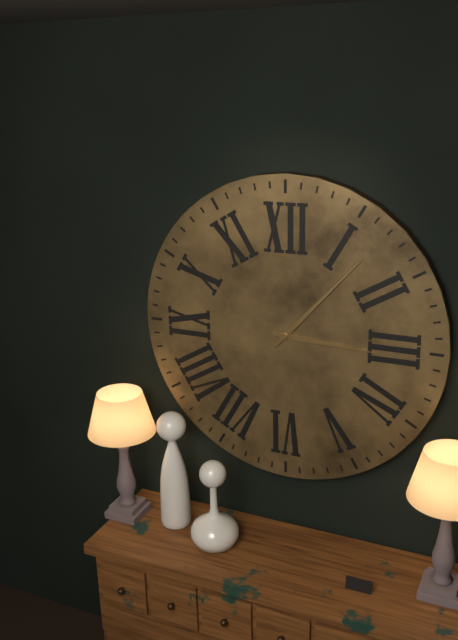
3,07
